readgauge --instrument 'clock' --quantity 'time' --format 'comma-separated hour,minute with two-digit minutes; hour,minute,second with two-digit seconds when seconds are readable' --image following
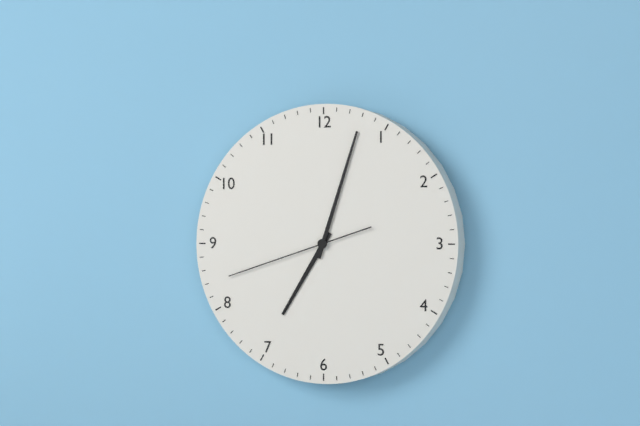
7,03,42
